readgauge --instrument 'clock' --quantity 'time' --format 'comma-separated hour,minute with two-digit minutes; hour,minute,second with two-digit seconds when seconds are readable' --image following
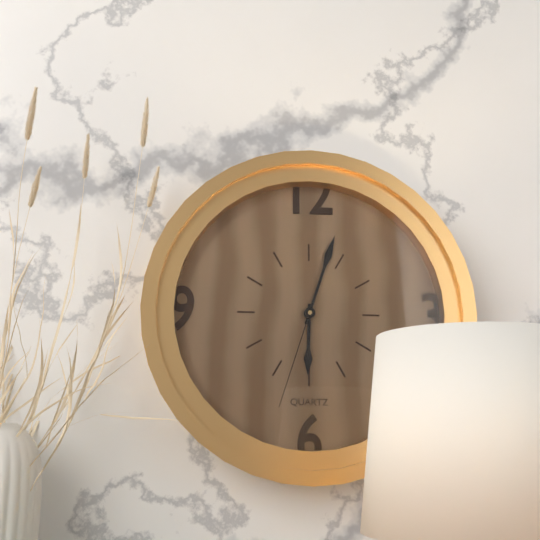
6,03,33
